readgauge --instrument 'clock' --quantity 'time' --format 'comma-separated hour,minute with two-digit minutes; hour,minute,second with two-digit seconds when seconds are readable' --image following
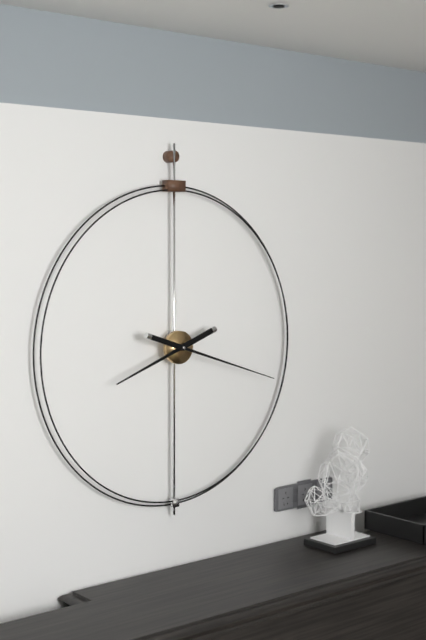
8,18
